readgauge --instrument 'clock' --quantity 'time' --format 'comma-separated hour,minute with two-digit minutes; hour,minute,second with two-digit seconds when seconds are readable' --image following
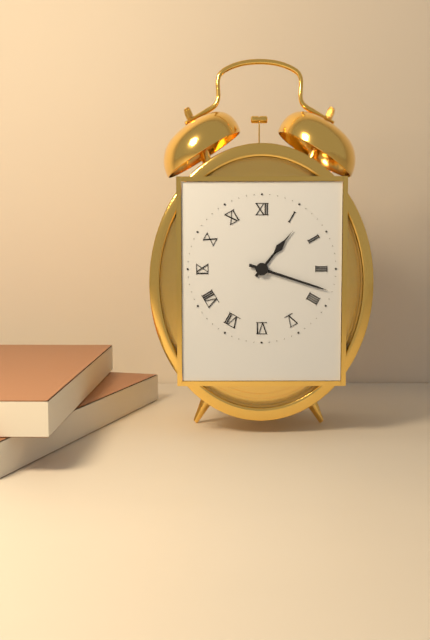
1,18
